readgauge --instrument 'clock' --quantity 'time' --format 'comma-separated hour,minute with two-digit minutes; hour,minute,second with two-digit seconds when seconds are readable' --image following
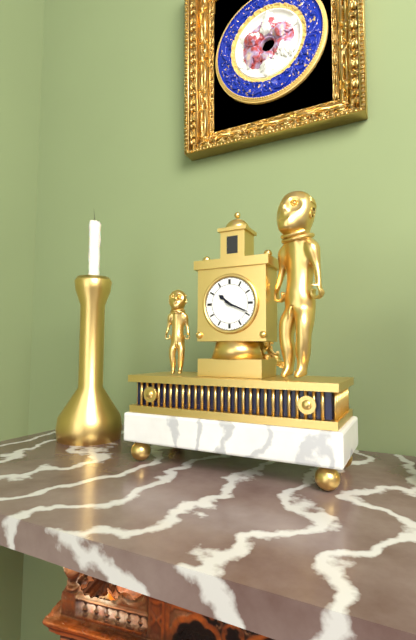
10,19
